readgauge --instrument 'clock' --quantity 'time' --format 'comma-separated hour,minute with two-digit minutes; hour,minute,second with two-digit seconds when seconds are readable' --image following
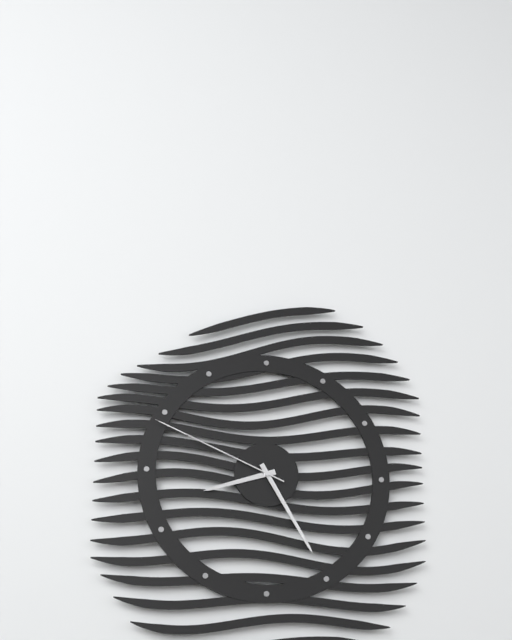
8,25,49
